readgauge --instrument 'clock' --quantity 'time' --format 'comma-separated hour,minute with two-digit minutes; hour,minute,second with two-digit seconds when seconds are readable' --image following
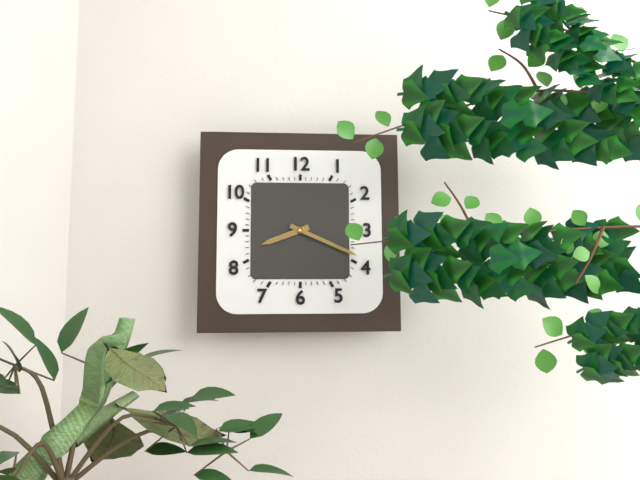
8,19
